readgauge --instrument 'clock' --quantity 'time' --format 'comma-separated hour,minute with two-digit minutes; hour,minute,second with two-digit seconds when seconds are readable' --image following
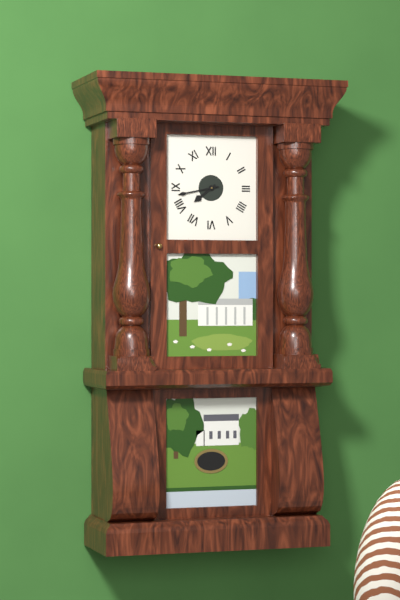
7,43
